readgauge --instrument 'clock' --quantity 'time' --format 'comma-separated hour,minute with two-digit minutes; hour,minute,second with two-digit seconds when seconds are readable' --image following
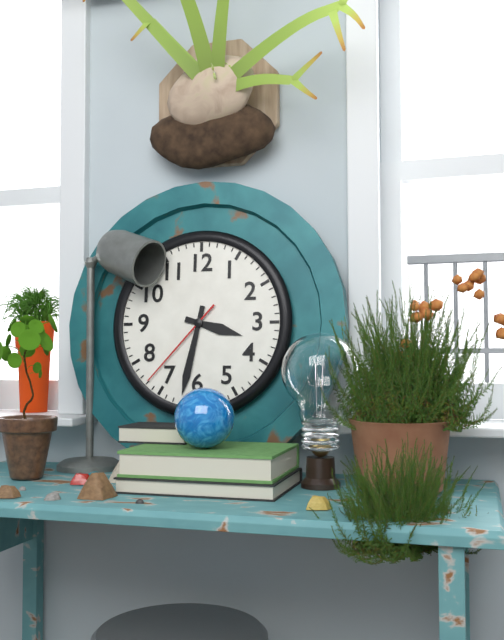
3,32,37
